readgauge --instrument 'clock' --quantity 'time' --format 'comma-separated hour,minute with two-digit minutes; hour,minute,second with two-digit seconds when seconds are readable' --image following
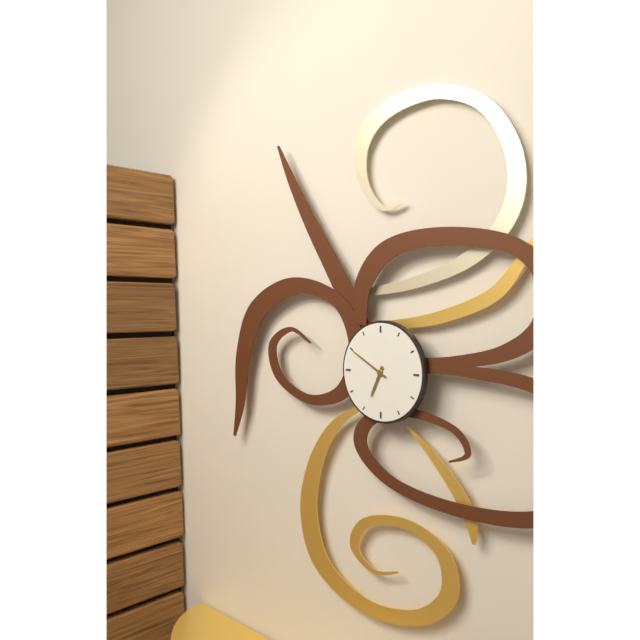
6,50
